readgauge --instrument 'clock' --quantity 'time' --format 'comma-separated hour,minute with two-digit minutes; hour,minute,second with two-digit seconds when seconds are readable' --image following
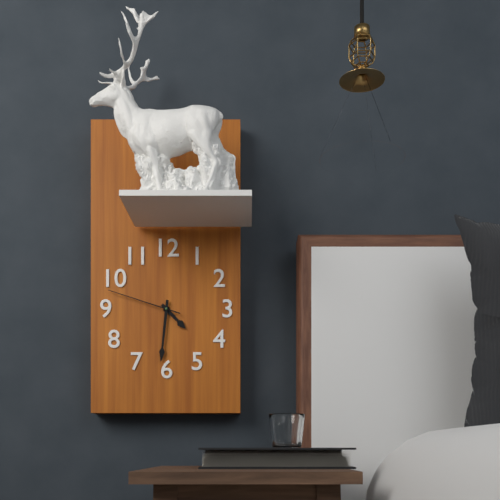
4,31,48
